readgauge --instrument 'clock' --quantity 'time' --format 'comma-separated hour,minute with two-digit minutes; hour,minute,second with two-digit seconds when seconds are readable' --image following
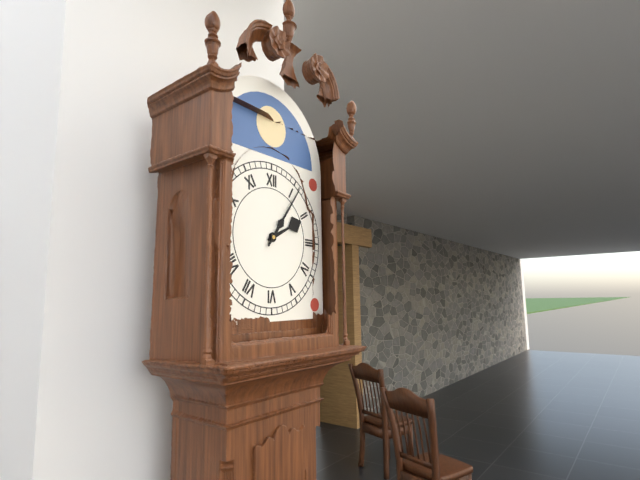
2,06
